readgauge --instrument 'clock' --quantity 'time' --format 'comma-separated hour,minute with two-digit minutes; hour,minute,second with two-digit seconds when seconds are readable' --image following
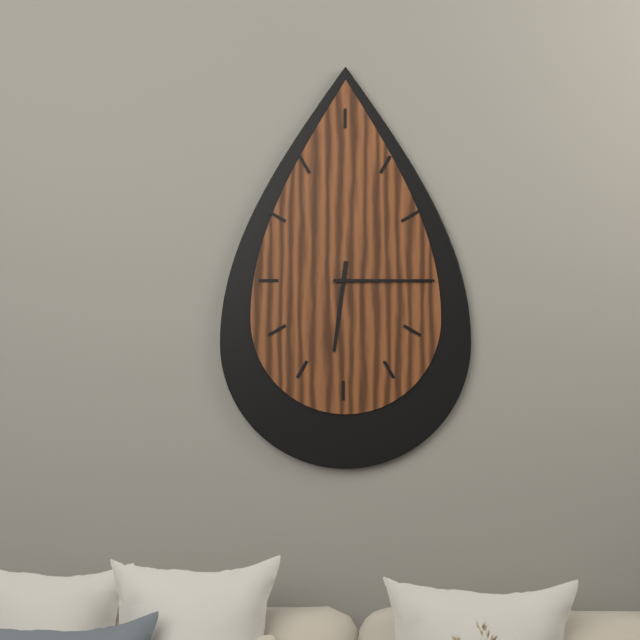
6,15
